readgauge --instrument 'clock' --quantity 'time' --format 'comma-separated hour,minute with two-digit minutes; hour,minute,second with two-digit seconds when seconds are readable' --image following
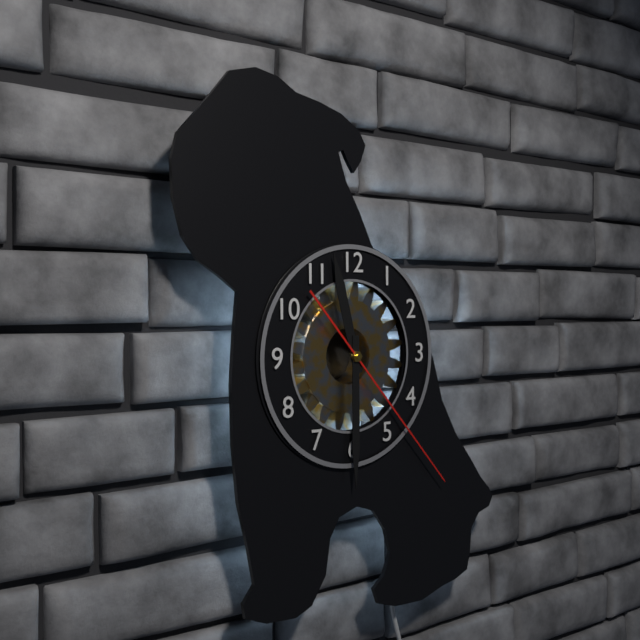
11,30,23
